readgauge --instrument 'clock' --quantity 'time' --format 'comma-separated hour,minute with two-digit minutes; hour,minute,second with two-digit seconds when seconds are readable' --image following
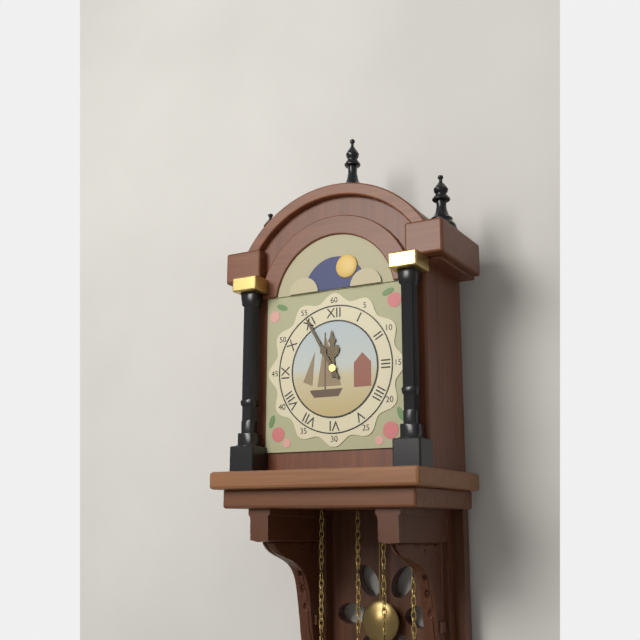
11,55
